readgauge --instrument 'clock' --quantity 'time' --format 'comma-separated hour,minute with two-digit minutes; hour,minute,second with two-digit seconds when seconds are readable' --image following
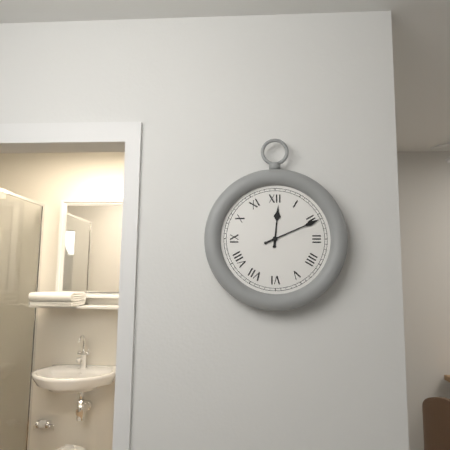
12,11
